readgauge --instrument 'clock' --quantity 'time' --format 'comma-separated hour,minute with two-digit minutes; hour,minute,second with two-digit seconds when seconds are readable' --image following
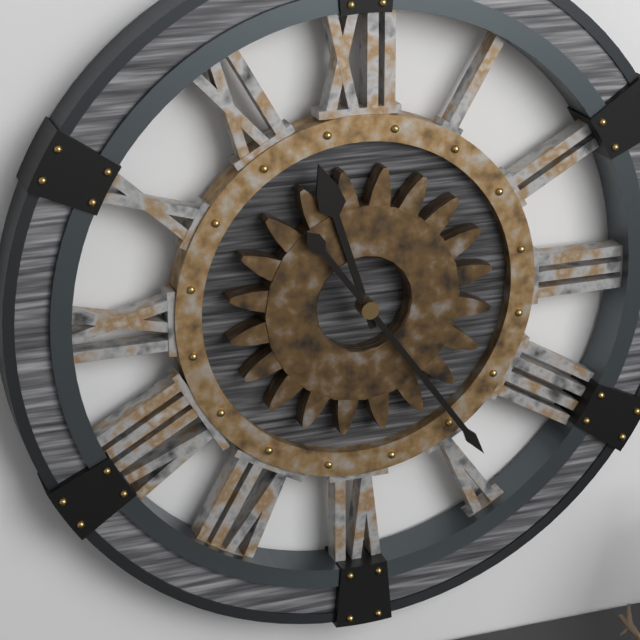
11,24
